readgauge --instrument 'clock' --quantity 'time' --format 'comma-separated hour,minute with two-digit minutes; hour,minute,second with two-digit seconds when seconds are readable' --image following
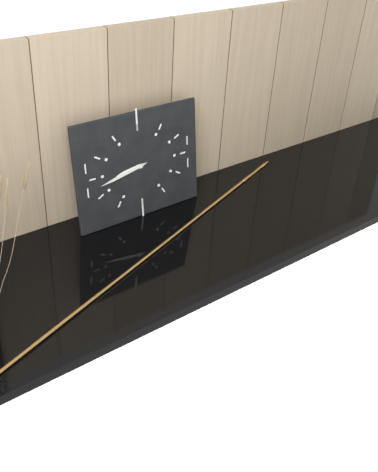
8,43
